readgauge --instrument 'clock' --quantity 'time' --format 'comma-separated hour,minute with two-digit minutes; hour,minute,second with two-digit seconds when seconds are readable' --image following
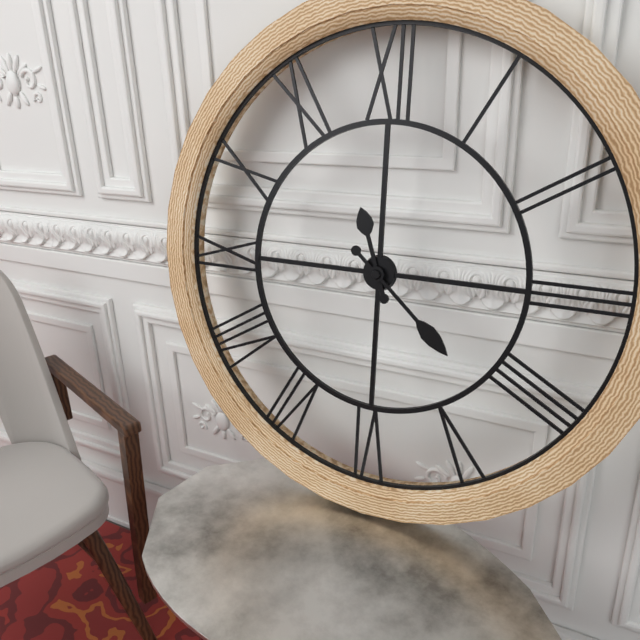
11,22
